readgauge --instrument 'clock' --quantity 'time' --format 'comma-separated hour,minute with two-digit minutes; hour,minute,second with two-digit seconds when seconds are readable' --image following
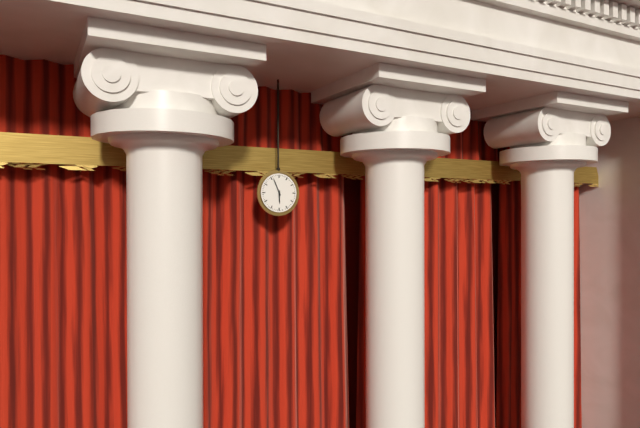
5,56
